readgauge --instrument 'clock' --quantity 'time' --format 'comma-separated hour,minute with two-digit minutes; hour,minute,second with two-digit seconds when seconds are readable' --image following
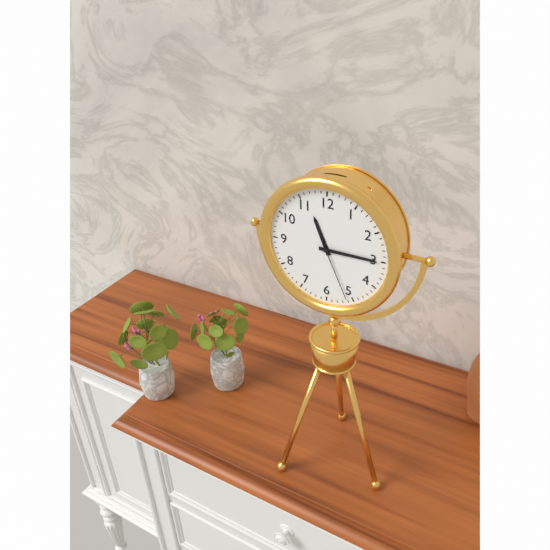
11,15,26
